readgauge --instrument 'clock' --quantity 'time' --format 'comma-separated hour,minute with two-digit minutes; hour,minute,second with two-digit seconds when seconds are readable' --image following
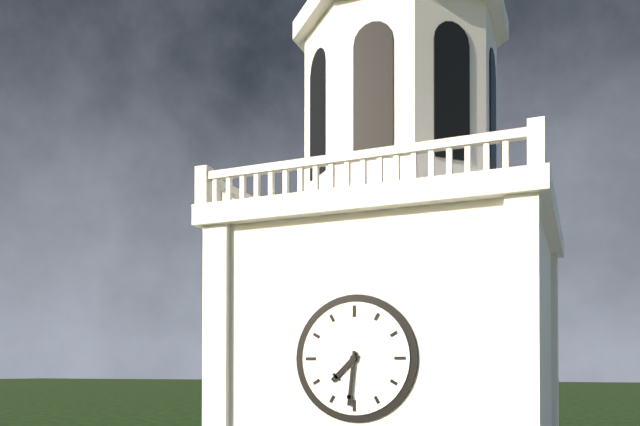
7,31
